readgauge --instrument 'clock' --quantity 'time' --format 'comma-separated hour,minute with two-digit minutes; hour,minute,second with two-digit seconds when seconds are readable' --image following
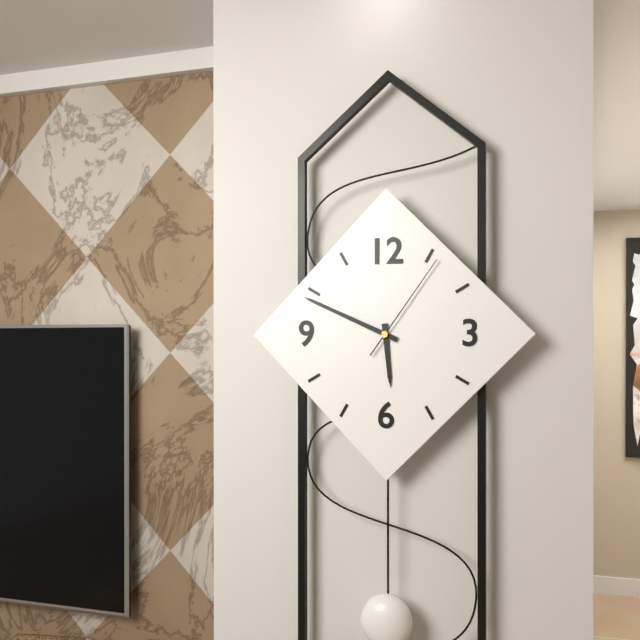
5,49,06
